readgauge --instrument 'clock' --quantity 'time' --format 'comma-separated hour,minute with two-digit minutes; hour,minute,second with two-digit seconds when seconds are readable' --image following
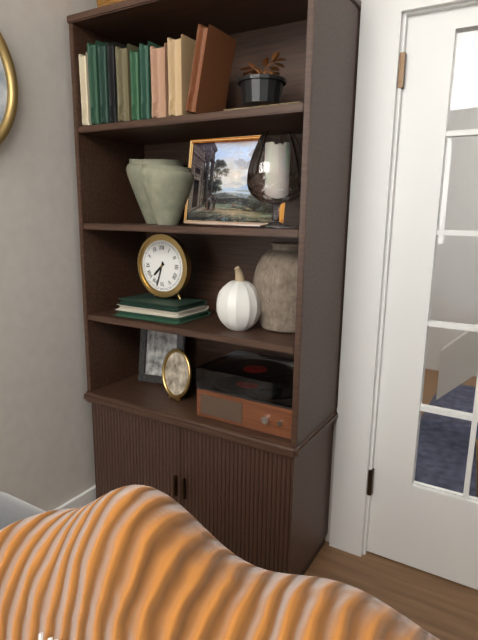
7,33
